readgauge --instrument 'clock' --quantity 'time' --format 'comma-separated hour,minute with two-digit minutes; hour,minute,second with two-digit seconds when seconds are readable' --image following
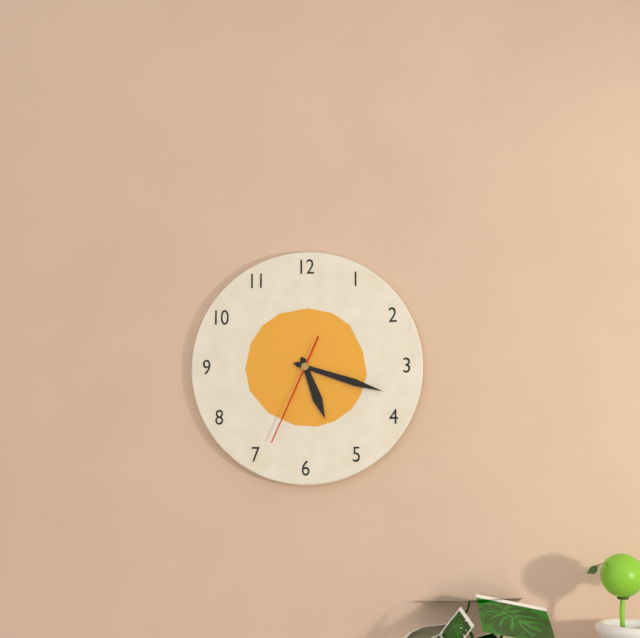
5,18,34
